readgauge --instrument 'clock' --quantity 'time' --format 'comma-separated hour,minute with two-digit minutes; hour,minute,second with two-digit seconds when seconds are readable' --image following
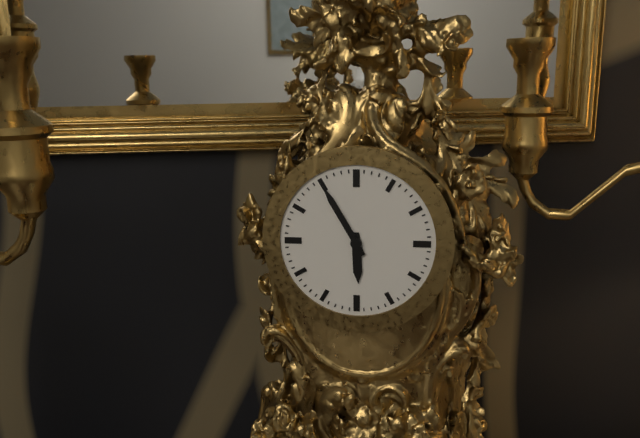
5,55
